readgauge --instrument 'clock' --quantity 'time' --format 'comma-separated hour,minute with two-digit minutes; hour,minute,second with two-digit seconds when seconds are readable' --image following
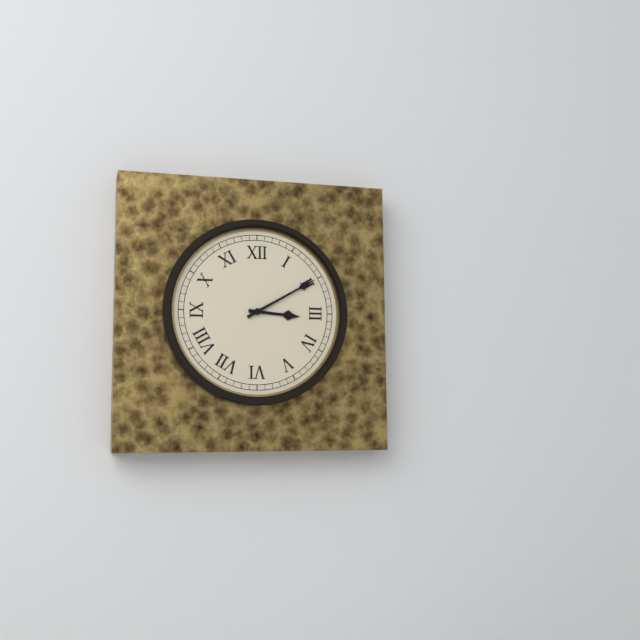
3,10
